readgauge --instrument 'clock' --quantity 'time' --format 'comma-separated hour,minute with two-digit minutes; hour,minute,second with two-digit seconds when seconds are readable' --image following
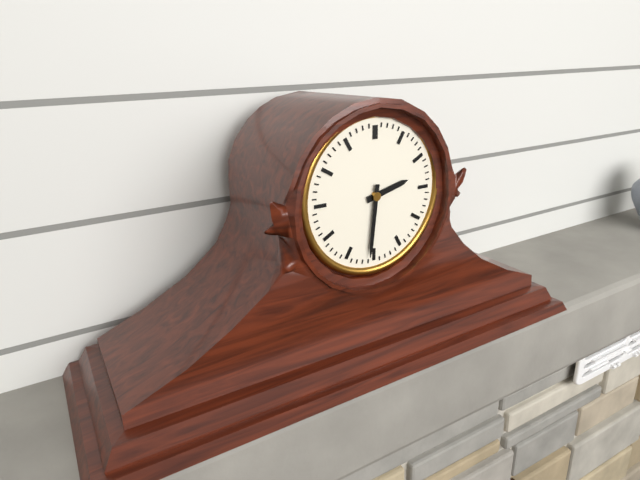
2,31
